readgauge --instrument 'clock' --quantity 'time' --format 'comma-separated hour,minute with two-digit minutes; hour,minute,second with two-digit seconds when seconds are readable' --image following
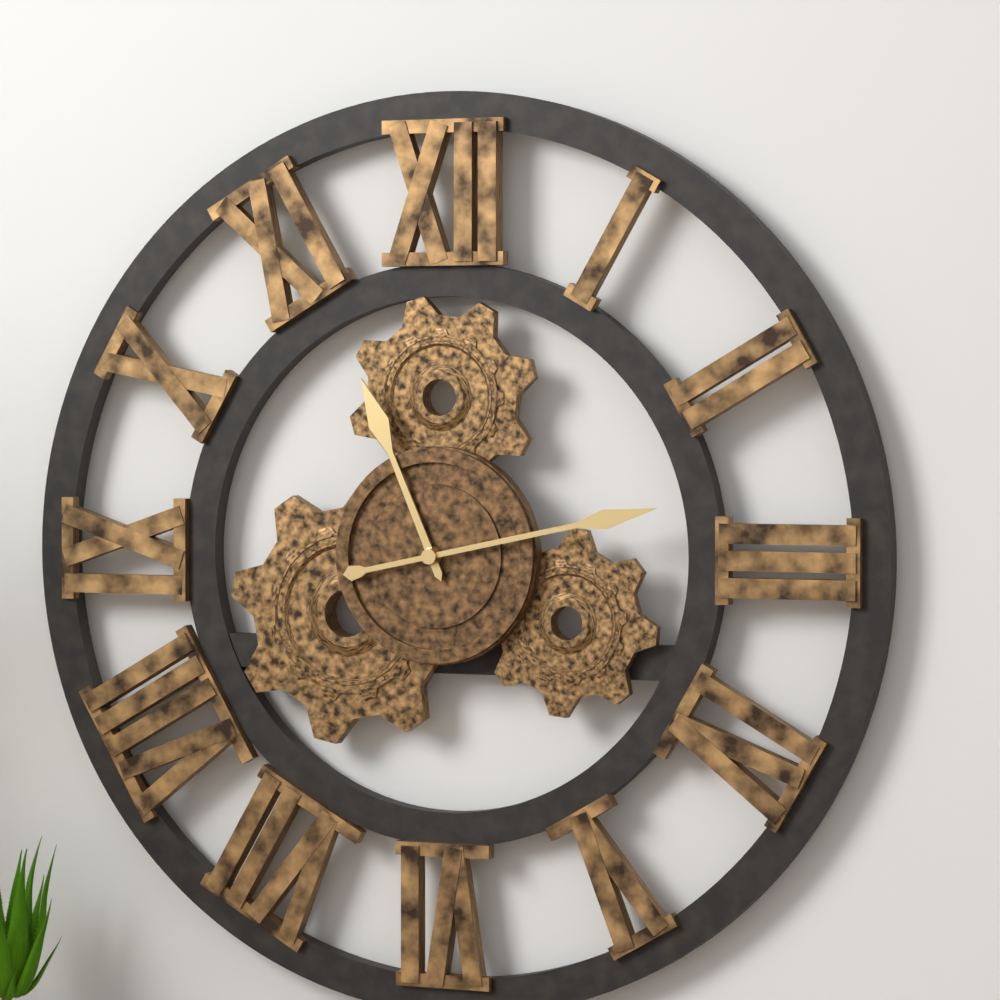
11,13
